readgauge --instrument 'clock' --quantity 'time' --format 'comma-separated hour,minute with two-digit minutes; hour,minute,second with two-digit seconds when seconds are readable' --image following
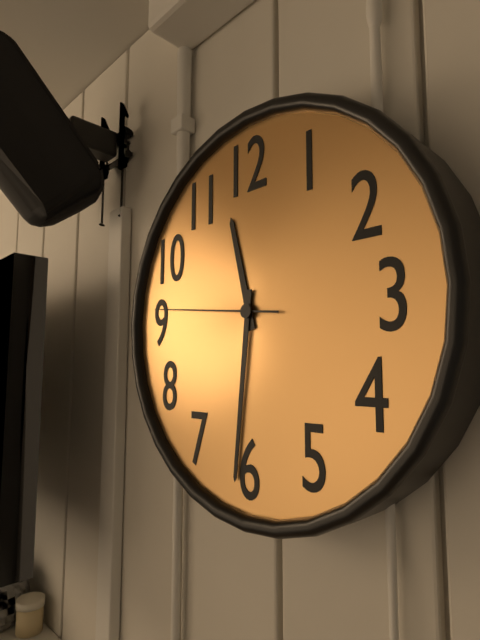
11,31,46
